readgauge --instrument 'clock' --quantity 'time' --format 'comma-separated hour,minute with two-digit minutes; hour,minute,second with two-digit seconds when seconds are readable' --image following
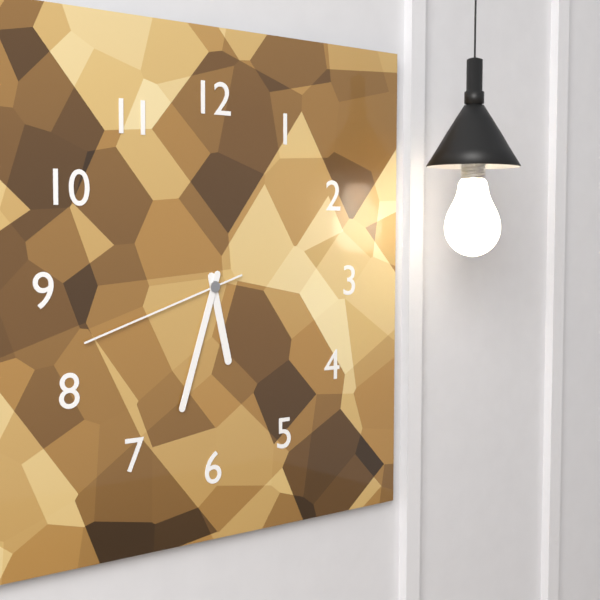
5,33,42
